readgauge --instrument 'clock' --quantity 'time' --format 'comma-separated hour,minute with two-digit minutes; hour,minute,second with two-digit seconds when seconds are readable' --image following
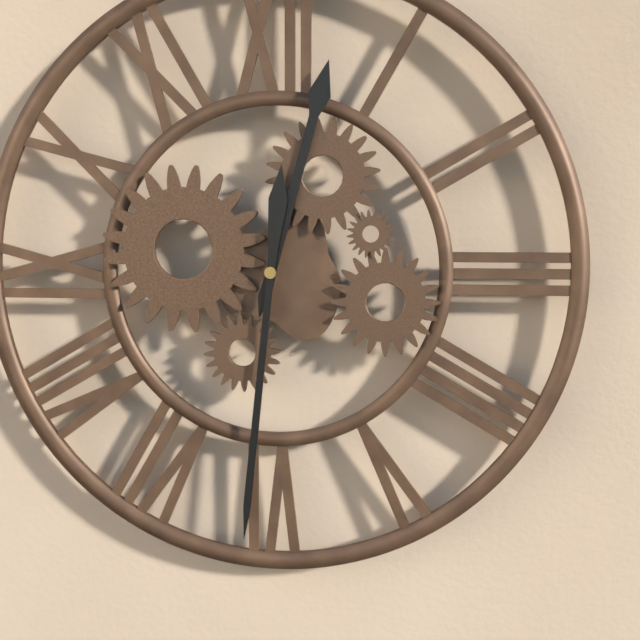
12,31
